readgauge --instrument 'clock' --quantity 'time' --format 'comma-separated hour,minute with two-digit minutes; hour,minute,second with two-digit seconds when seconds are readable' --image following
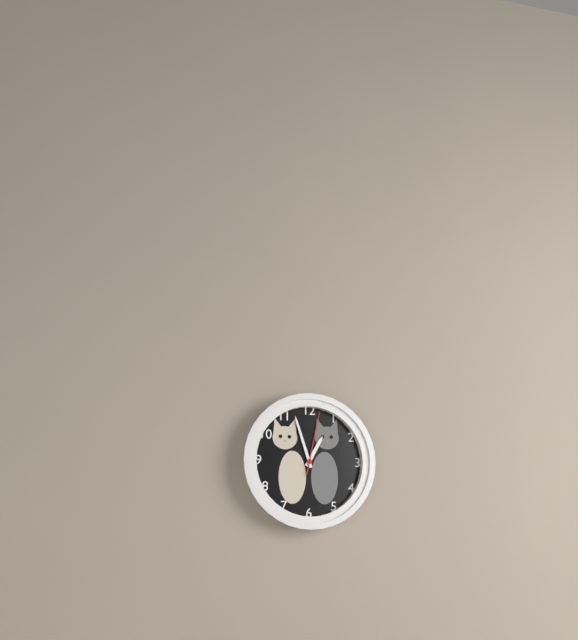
12,57,02
